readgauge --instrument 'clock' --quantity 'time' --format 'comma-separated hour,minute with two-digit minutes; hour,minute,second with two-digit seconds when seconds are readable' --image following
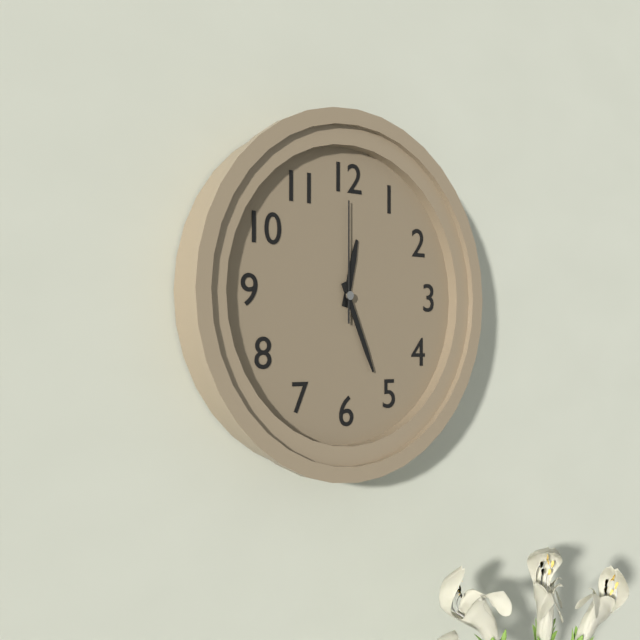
12,26,00
